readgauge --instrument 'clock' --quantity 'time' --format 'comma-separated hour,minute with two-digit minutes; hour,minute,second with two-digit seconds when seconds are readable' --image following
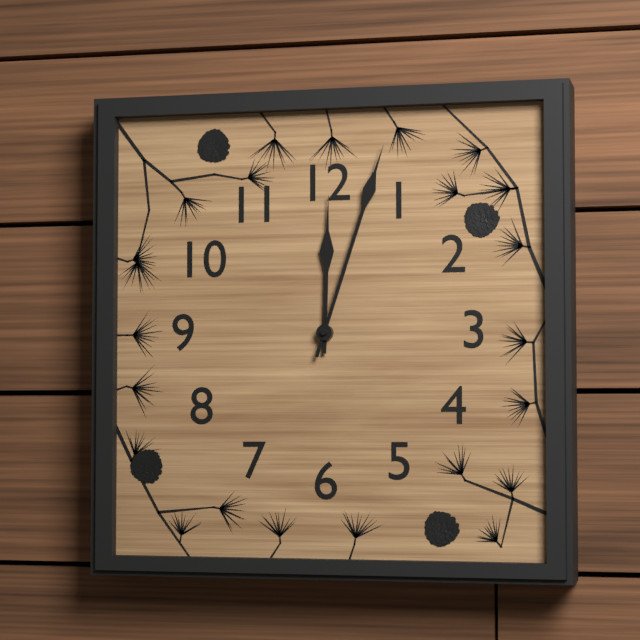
12,03
